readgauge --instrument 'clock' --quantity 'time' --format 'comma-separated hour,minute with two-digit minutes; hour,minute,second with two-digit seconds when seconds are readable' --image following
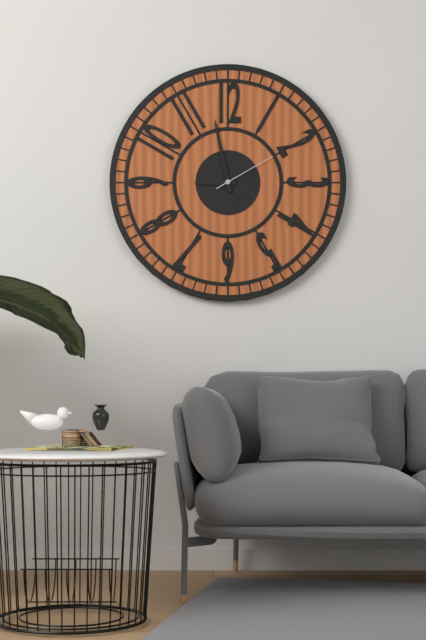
8,58,10
